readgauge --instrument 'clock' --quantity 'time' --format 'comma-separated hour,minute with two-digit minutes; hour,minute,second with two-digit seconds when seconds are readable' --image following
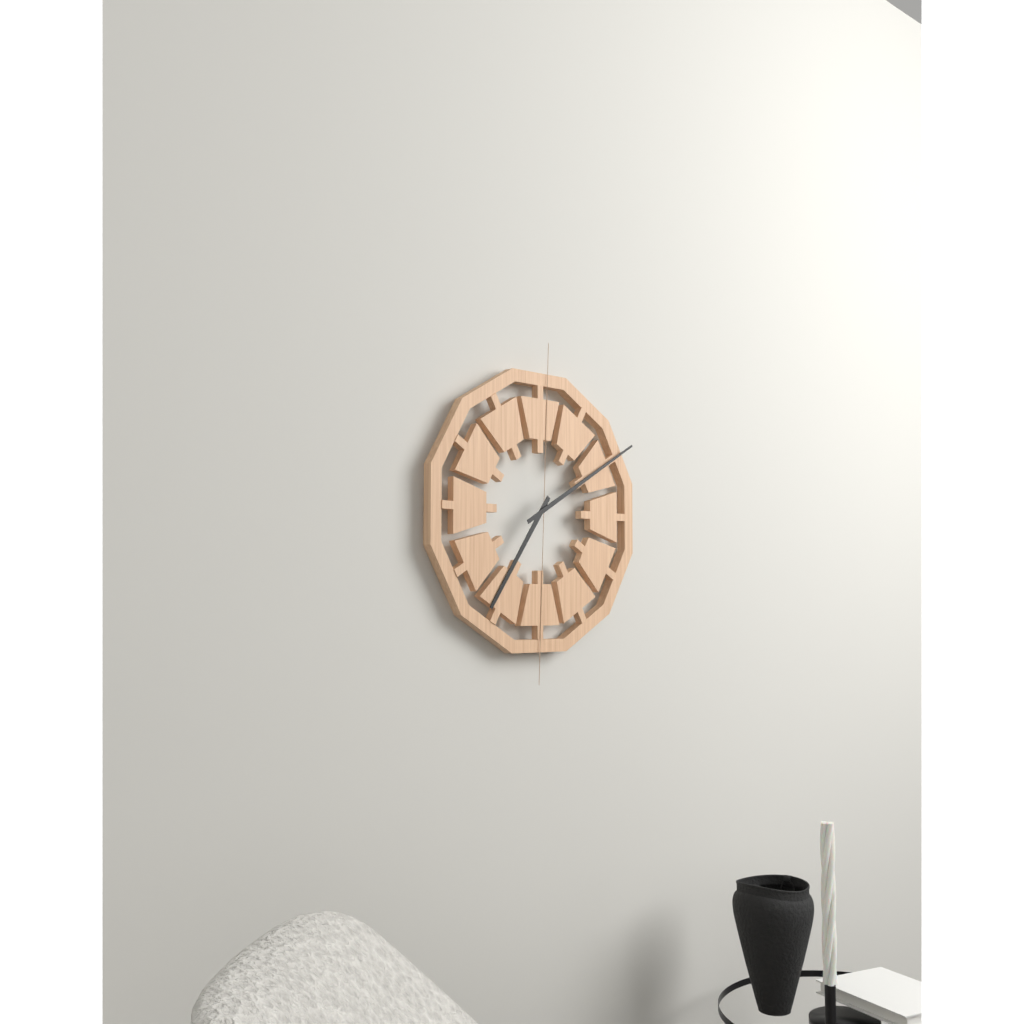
7,10
